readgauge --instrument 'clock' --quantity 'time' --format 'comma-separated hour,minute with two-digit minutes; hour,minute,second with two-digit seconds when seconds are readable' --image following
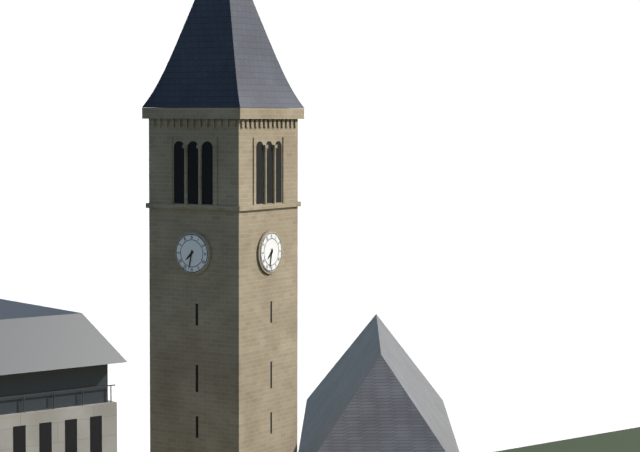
7,32
